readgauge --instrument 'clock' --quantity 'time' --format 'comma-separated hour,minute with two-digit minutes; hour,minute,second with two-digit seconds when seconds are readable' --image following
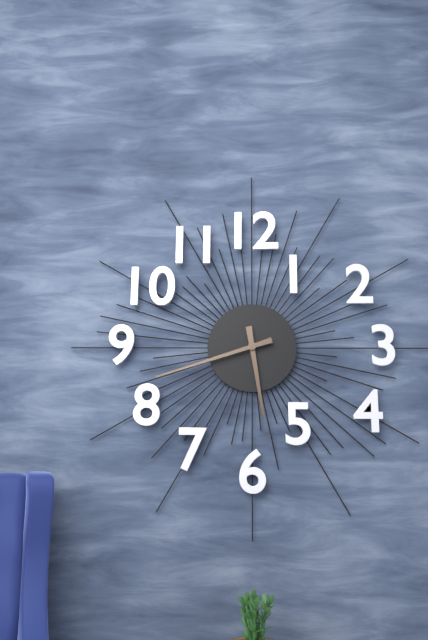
5,42
